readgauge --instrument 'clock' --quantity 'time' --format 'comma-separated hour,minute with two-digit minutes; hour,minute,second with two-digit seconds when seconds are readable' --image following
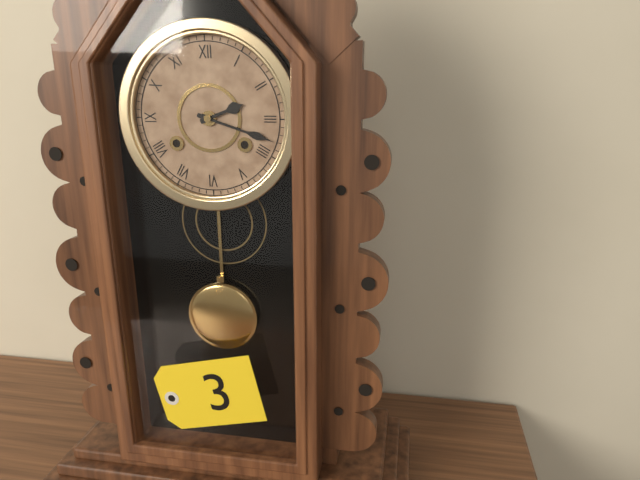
2,18
